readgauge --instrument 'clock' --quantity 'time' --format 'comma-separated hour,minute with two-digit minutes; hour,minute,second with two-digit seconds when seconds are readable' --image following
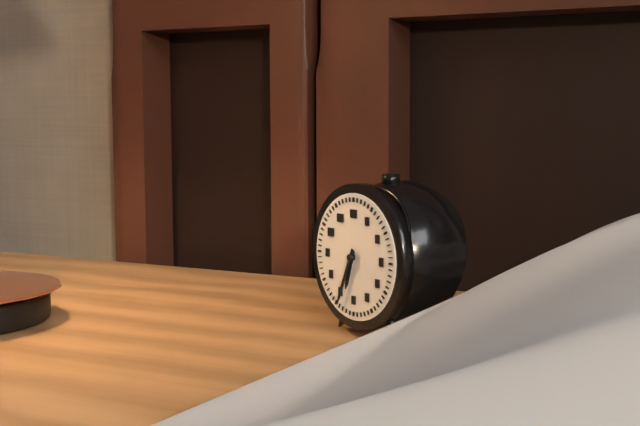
6,34
